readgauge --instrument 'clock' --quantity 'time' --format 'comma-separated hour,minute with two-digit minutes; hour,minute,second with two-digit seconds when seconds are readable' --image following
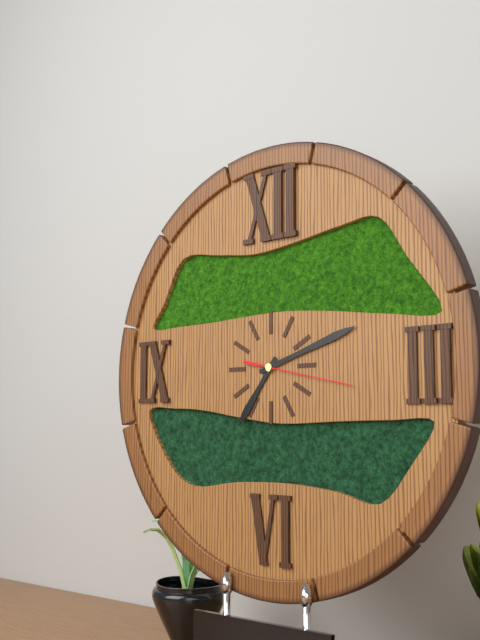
7,12,17
